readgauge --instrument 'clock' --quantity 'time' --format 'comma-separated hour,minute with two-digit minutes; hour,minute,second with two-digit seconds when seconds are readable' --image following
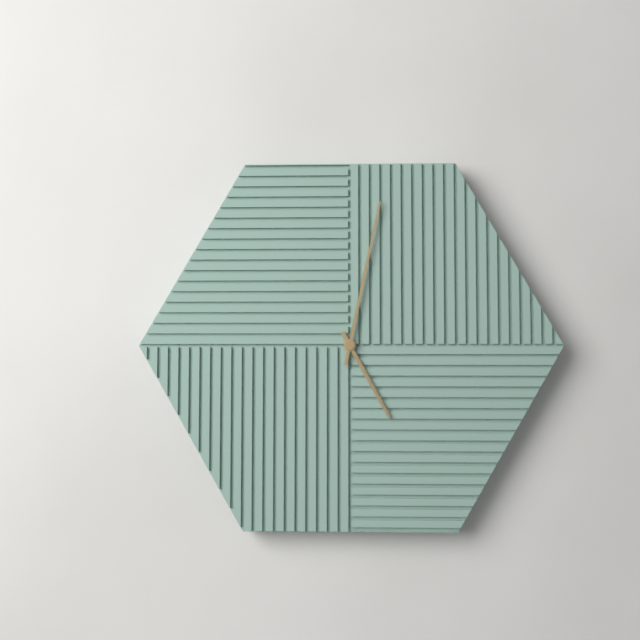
5,02
